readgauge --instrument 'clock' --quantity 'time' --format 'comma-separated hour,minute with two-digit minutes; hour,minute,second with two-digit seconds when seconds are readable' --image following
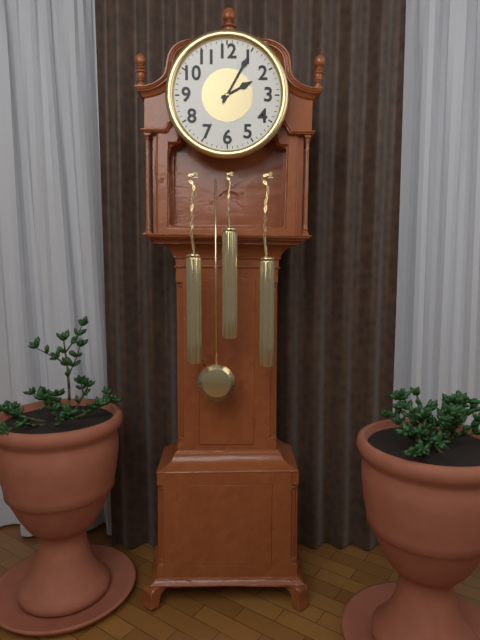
2,05
